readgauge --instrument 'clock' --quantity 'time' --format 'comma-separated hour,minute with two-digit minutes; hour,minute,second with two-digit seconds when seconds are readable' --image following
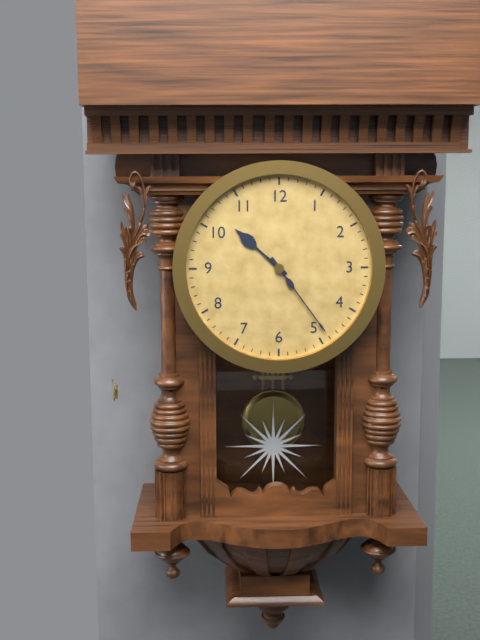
10,24
